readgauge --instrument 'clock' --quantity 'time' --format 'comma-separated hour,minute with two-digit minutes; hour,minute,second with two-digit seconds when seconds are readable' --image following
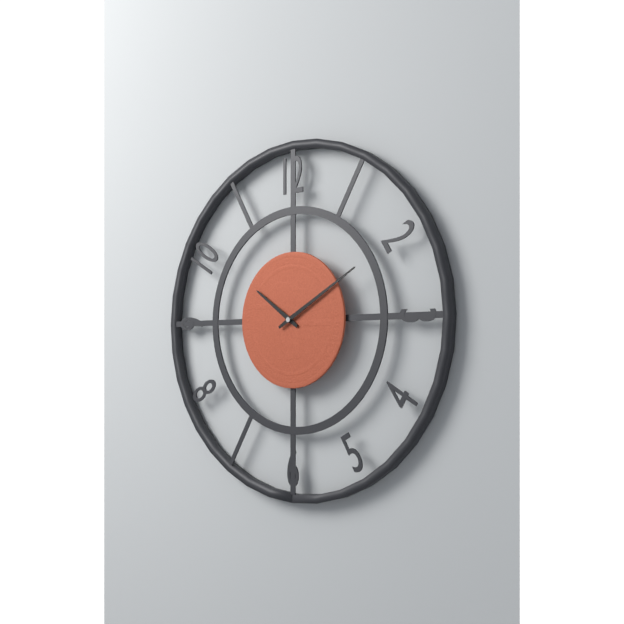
10,10
